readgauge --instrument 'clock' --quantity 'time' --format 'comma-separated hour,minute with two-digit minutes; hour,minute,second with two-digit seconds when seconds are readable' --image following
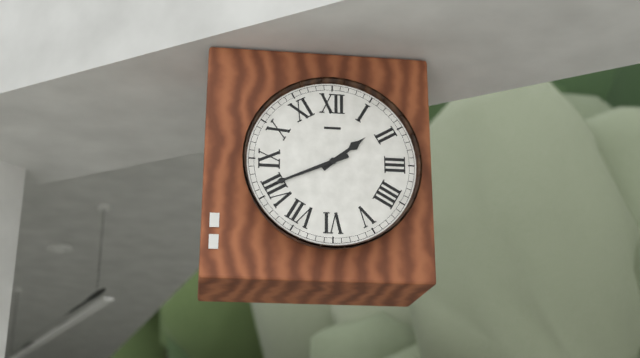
1,41
